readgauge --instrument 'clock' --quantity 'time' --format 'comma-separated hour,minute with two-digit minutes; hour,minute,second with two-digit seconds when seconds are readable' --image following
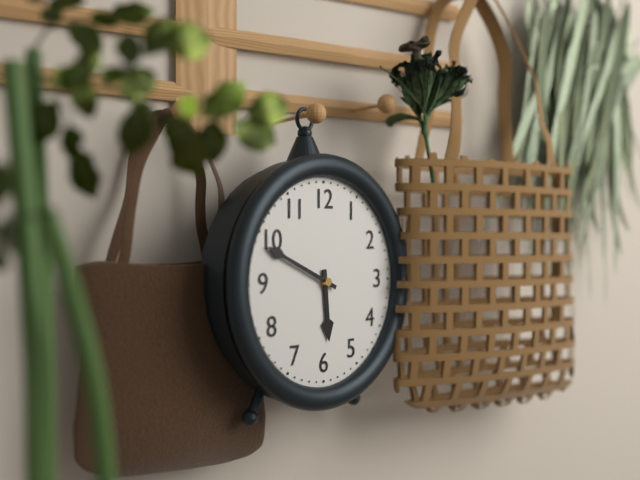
5,49
